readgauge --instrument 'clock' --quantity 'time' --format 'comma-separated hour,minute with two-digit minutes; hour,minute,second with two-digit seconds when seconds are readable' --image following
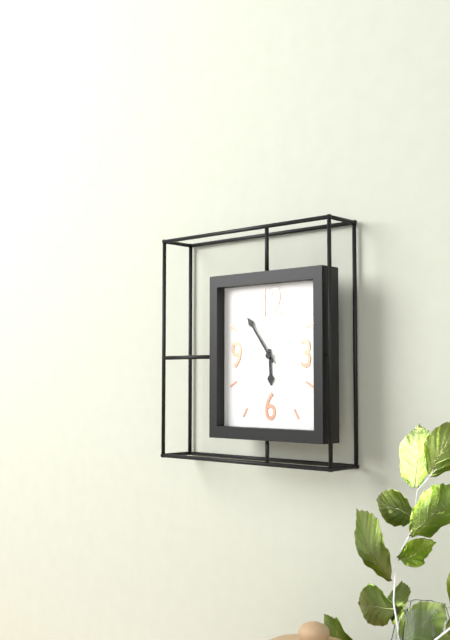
5,54
